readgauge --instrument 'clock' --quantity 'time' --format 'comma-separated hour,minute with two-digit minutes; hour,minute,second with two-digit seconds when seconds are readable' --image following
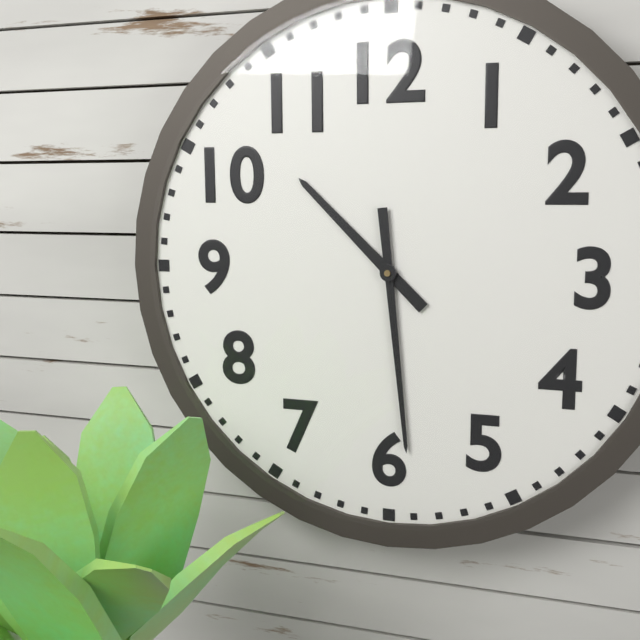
10,29
